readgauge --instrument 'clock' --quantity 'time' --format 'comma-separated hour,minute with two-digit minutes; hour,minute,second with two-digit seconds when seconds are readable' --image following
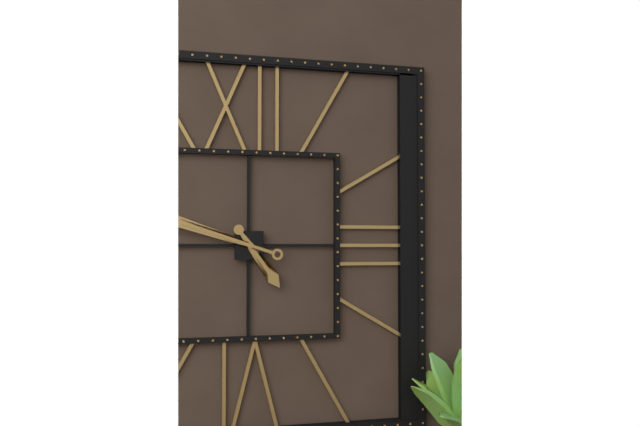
4,48
